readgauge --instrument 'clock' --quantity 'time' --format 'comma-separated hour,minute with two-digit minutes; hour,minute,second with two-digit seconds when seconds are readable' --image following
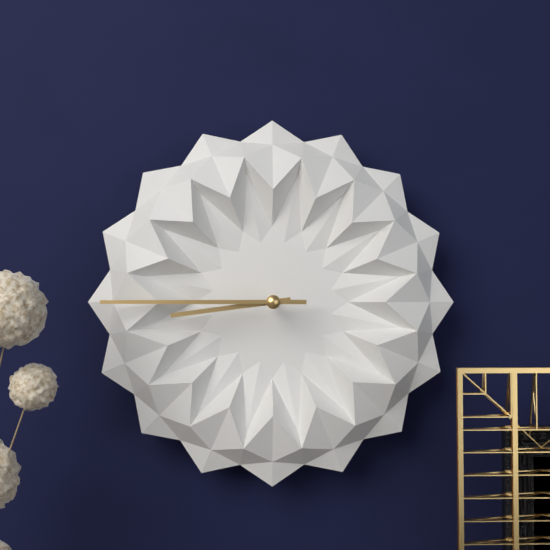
8,45
